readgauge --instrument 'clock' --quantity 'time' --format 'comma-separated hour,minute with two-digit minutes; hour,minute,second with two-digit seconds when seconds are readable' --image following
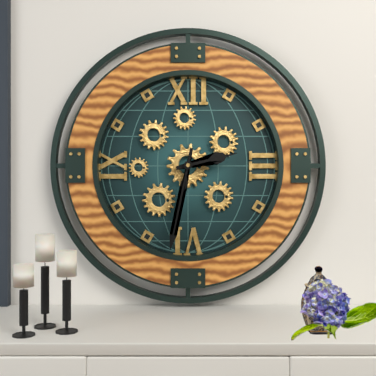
2,32
